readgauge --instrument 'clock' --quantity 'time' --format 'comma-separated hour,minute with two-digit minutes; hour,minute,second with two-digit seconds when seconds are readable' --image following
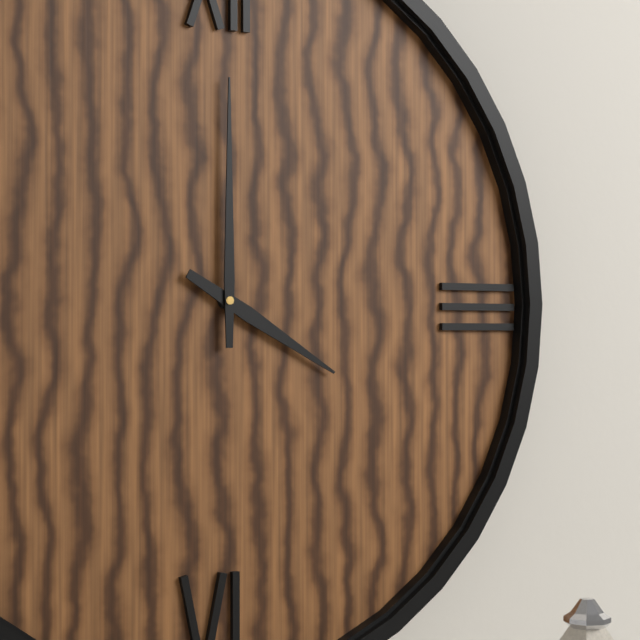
4,00
